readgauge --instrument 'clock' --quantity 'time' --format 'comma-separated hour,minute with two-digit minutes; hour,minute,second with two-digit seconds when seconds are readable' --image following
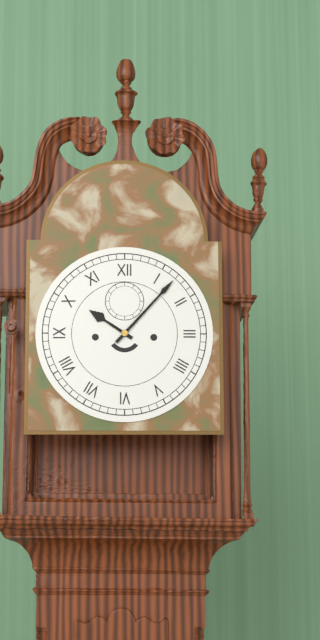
10,07
